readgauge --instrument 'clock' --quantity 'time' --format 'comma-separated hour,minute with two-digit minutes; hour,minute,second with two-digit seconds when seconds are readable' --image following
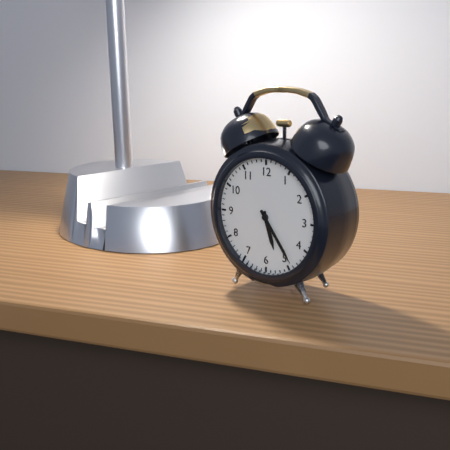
5,24
